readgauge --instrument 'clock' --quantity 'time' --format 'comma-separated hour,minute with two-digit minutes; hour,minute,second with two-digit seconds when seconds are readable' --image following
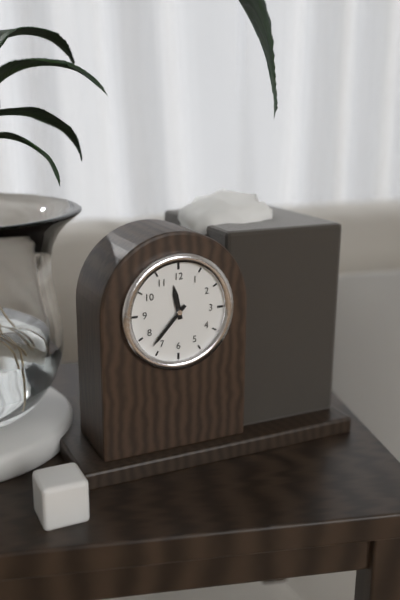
11,37
